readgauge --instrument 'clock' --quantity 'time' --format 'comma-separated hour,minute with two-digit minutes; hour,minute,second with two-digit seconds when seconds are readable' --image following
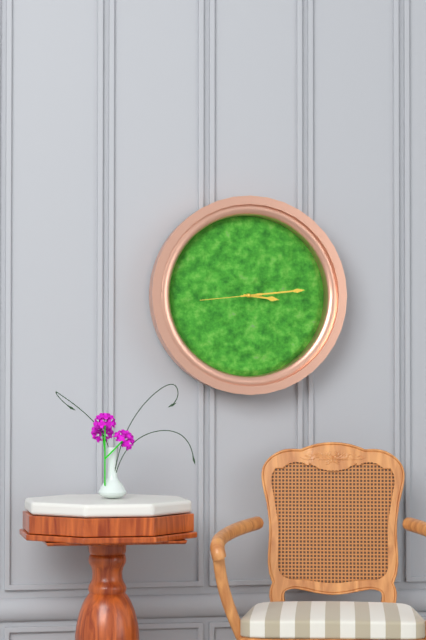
3,14,44
